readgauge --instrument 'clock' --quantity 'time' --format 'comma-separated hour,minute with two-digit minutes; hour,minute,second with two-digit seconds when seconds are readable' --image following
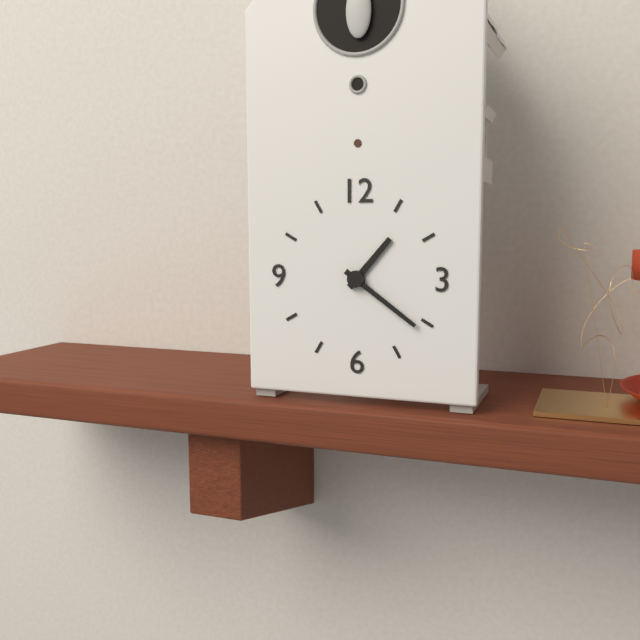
1,21
